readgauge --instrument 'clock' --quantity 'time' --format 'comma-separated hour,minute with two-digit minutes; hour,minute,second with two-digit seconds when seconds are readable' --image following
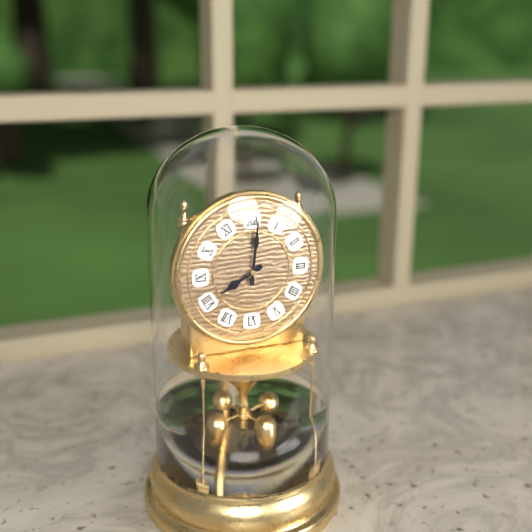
8,01
